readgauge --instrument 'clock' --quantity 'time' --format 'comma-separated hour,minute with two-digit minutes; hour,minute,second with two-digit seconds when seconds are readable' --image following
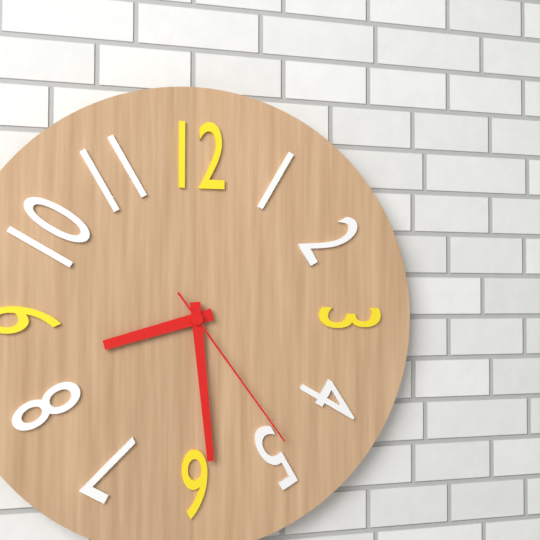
8,29,24
